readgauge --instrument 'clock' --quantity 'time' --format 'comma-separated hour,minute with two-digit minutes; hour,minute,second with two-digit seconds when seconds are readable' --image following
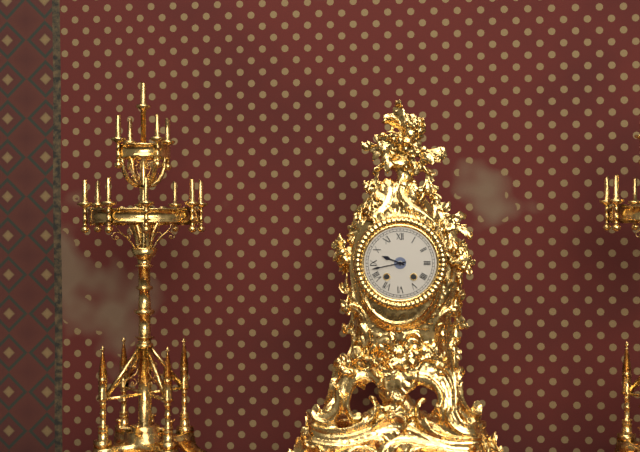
9,43
